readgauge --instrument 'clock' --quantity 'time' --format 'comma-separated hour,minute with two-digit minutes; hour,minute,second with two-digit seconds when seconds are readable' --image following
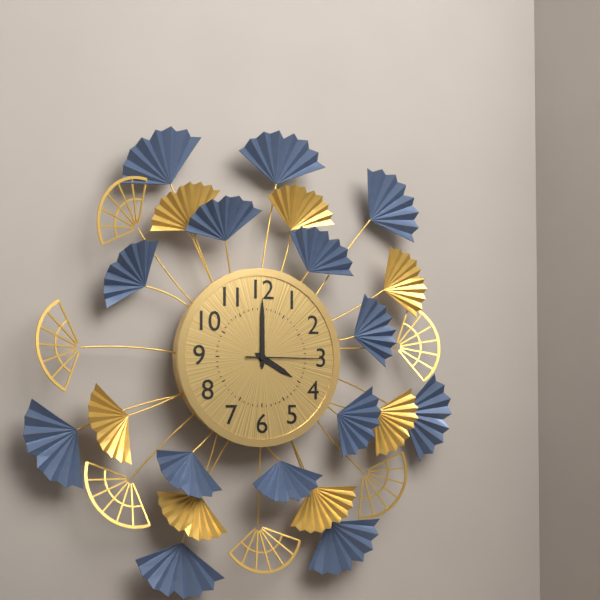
4,00,15
